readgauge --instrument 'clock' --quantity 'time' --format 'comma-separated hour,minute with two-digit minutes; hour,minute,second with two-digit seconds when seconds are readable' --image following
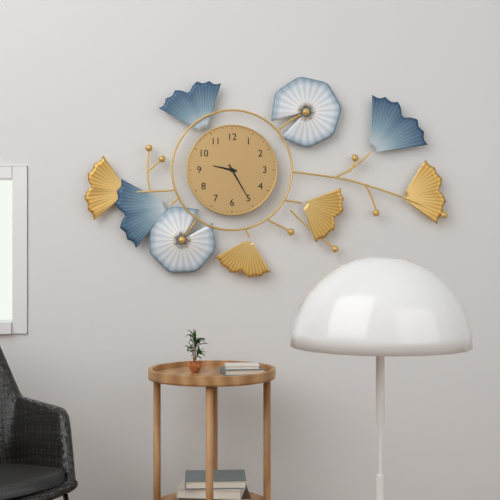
9,25
